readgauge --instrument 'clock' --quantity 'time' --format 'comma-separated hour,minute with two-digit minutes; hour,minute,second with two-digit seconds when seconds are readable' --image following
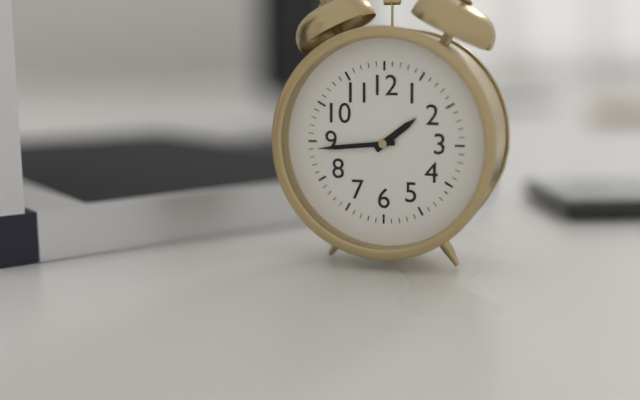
1,44
